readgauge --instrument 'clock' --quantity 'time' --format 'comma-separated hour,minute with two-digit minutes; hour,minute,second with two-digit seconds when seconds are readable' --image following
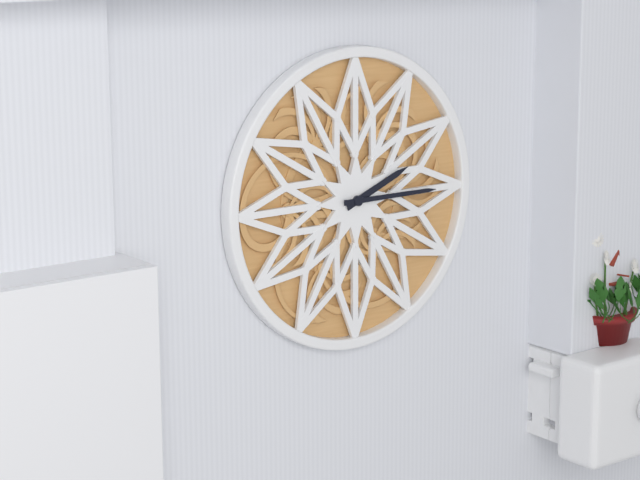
2,15
